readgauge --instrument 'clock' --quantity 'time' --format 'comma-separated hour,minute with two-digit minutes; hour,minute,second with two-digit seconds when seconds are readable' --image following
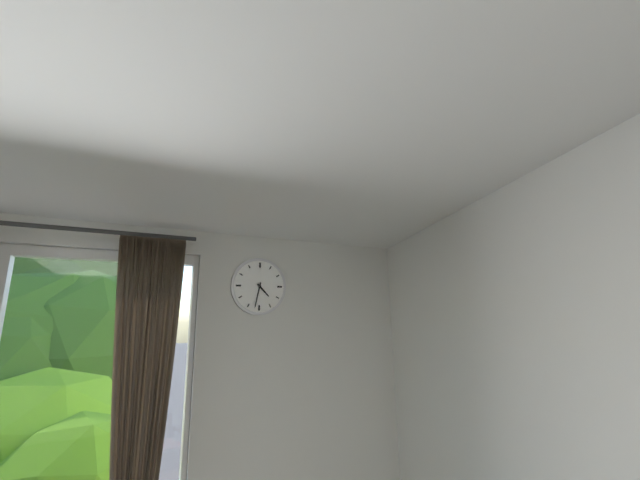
4,32
